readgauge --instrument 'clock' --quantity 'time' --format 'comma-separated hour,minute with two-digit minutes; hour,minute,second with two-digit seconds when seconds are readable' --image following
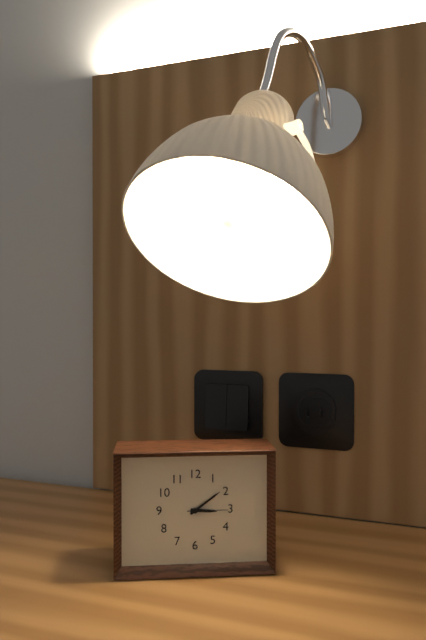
3,09
